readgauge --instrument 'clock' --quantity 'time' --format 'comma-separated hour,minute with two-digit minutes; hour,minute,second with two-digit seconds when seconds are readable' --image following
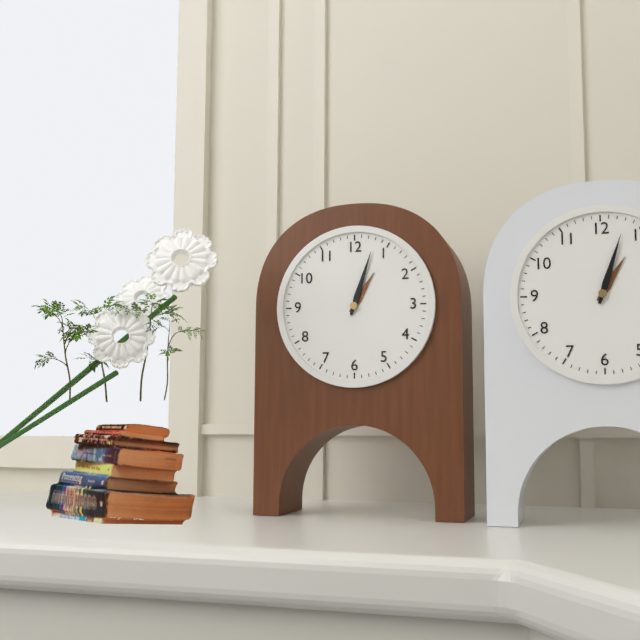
1,03
